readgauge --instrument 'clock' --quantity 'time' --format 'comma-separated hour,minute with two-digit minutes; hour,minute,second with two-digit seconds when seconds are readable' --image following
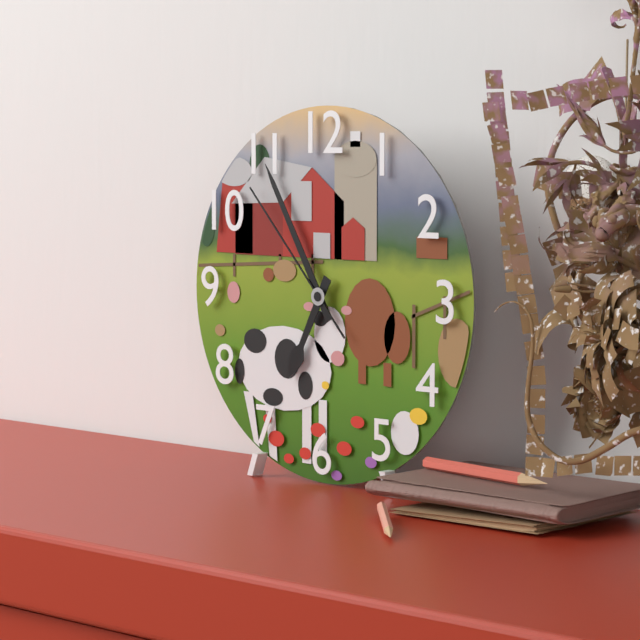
6,55,53
